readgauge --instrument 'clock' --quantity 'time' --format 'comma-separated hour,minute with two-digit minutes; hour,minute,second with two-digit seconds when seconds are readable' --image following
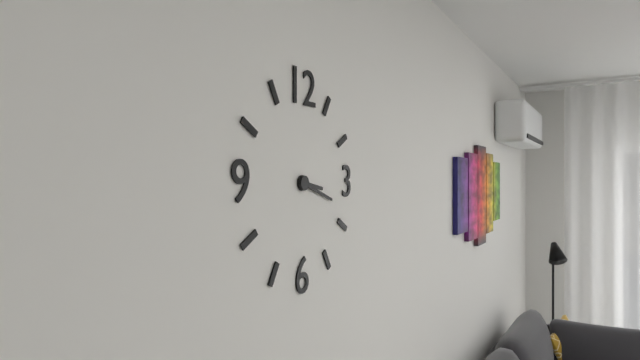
3,18
